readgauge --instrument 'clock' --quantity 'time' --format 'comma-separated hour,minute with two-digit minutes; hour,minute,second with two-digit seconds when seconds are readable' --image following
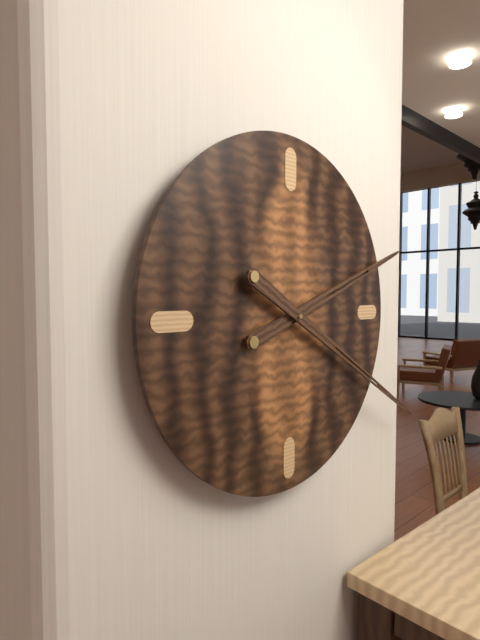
2,20
